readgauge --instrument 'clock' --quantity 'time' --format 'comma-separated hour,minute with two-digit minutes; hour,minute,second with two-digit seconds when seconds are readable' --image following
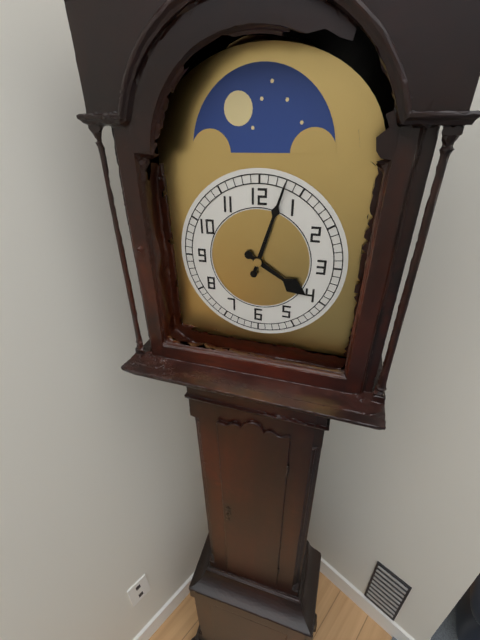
4,03
